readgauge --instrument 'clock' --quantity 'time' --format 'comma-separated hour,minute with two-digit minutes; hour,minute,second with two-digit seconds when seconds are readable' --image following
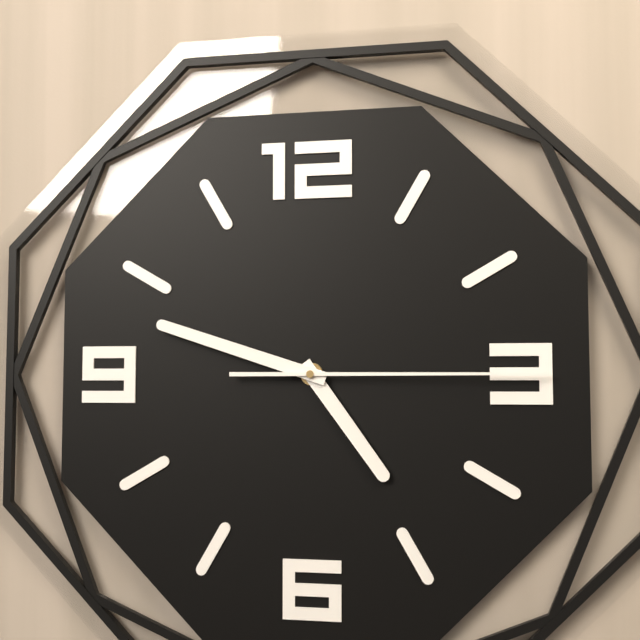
4,48,15
